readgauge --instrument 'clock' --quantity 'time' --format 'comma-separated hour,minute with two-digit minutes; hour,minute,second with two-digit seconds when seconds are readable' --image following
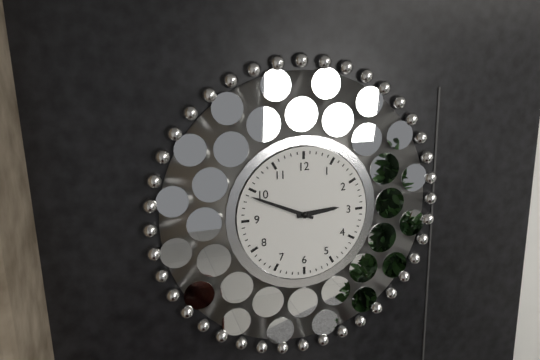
2,49
